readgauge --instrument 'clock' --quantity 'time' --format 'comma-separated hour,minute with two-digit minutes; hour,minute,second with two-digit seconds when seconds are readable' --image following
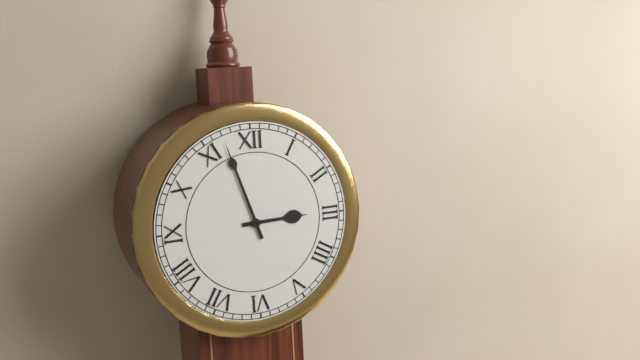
2,57
